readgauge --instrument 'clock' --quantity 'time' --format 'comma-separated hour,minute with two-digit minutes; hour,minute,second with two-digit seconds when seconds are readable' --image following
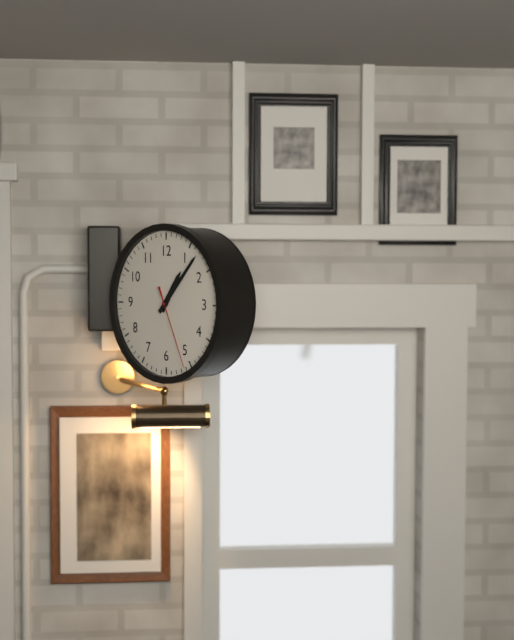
1,07,26
